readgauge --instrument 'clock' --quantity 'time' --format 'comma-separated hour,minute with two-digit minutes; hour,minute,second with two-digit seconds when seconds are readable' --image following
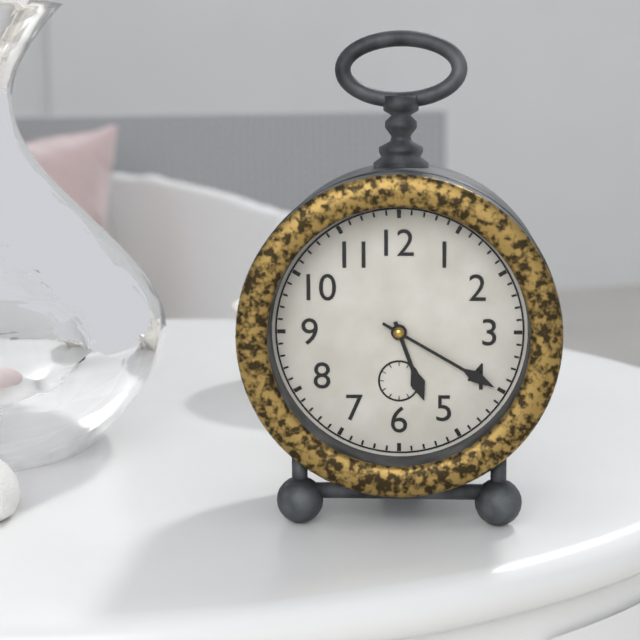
5,20
